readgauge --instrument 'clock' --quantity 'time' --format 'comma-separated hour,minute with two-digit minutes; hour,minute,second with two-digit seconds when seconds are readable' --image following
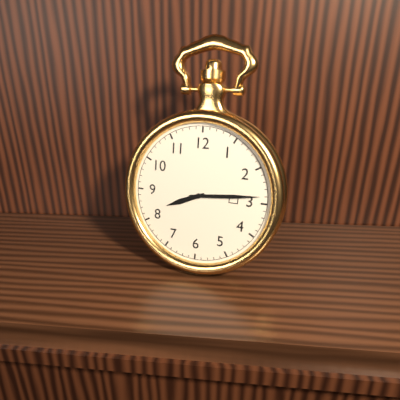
8,14
